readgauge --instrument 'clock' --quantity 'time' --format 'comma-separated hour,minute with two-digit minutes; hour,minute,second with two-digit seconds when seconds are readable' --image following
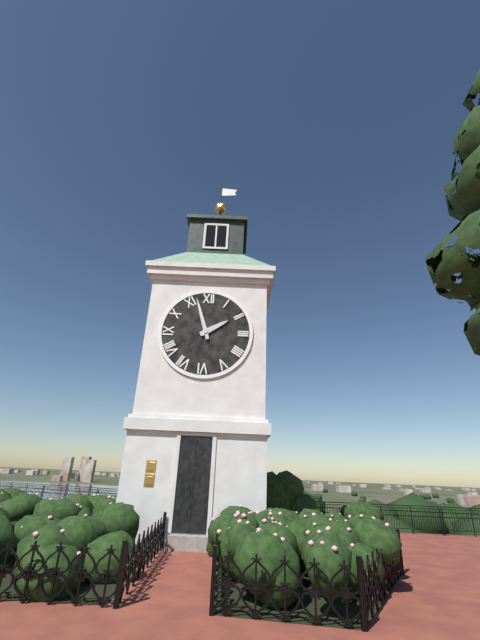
1,57
